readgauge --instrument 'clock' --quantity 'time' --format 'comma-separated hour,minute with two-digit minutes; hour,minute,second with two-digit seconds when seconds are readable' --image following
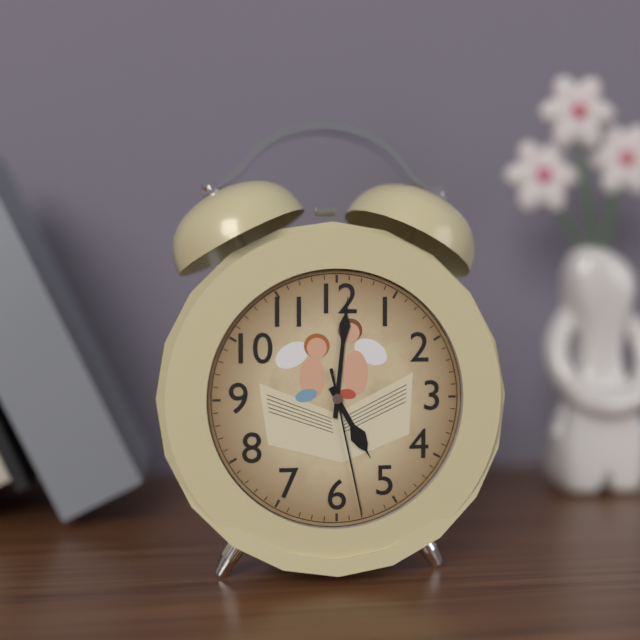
5,01,28
